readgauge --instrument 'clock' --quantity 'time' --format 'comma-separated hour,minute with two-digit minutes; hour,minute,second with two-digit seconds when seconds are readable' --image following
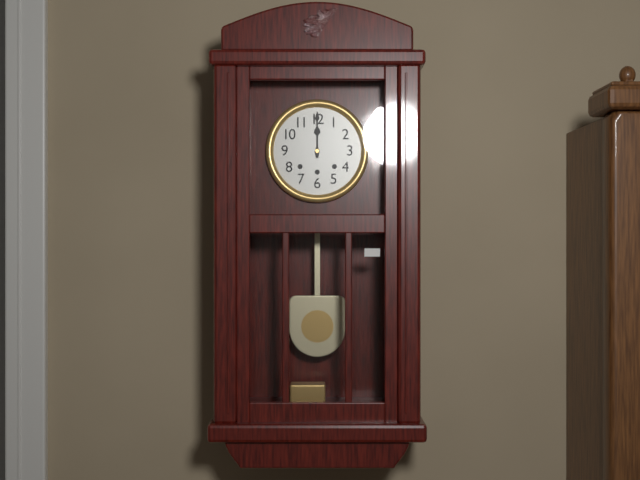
12,00
